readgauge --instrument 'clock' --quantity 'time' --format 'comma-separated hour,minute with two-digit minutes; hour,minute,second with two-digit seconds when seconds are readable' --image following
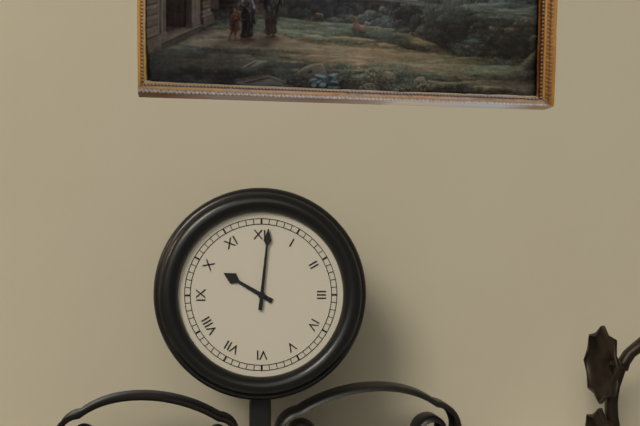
10,01
